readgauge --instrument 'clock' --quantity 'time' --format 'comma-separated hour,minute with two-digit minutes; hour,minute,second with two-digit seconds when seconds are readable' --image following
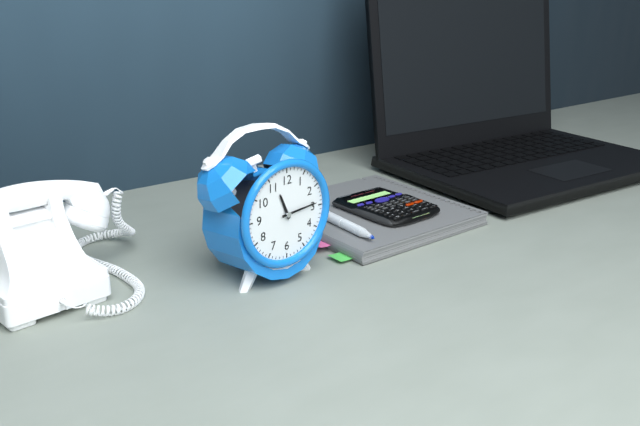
11,14
